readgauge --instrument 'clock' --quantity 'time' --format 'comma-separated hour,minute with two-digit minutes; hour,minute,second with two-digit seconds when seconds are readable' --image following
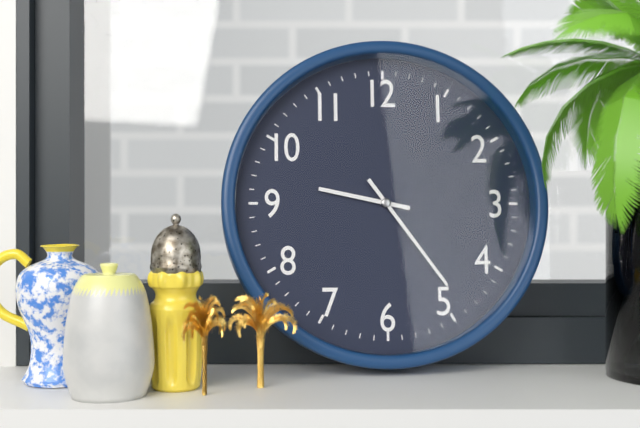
9,24
